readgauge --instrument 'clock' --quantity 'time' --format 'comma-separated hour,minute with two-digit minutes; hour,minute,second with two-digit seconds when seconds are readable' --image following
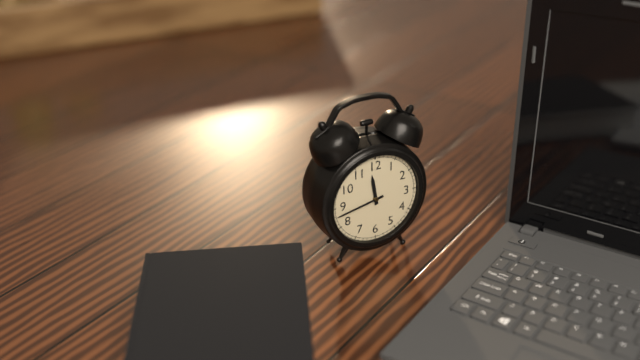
11,43
